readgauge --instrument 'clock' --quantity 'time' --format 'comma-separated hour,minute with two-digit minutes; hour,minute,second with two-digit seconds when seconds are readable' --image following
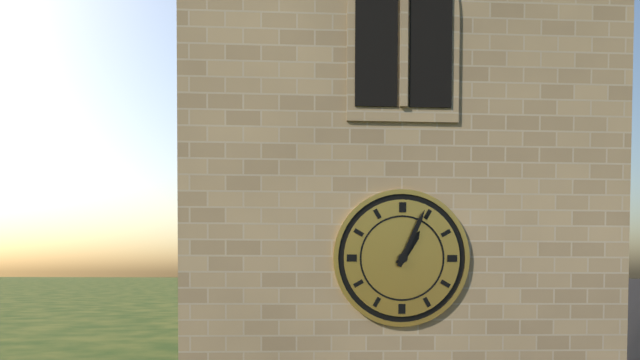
1,04
